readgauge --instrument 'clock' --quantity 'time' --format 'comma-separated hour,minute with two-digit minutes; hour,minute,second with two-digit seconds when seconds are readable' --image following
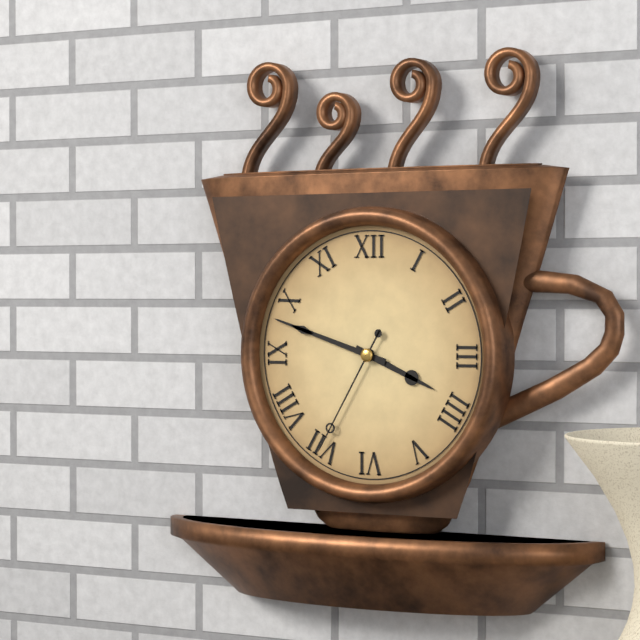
3,48,35
